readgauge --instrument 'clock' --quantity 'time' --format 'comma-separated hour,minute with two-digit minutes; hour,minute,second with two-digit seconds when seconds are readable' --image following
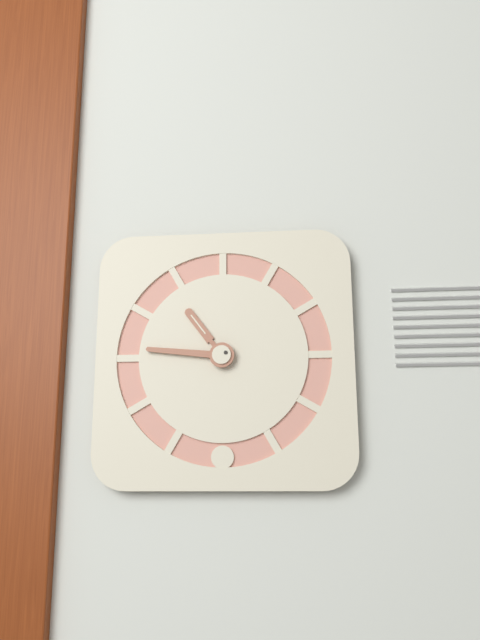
10,46
